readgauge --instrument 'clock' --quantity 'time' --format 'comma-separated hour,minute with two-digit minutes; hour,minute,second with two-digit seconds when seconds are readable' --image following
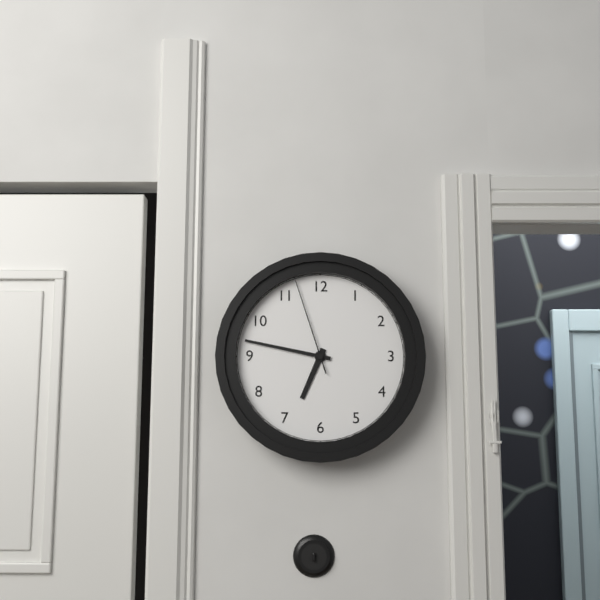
6,47,57
